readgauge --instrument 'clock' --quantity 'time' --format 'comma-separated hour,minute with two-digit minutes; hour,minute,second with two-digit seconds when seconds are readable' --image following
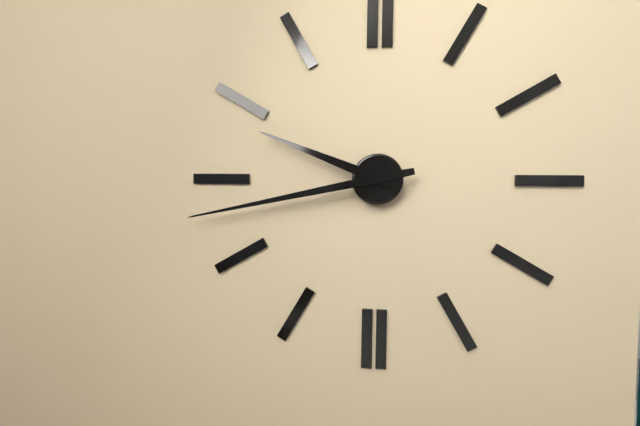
9,43
